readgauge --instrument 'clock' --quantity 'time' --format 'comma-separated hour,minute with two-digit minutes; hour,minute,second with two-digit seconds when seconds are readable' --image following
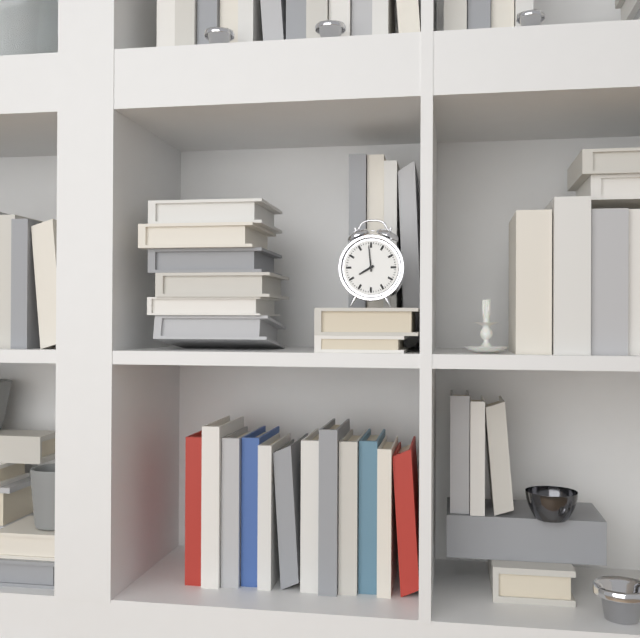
7,59
